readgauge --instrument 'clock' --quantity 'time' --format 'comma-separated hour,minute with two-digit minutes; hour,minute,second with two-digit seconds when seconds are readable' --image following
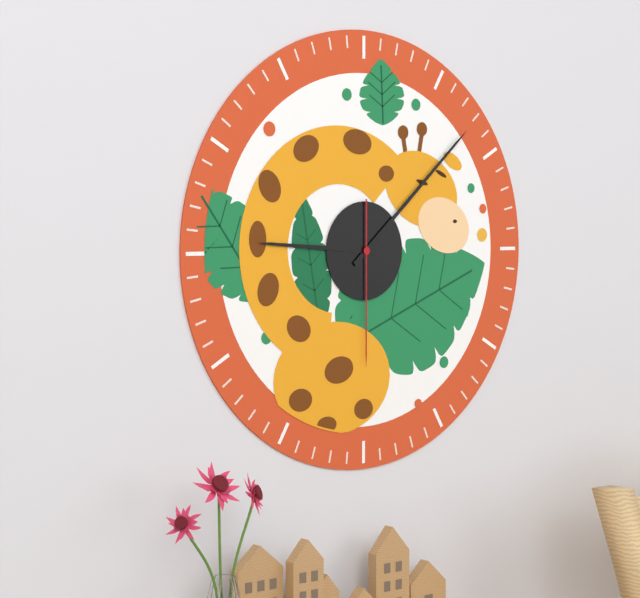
9,08,30
